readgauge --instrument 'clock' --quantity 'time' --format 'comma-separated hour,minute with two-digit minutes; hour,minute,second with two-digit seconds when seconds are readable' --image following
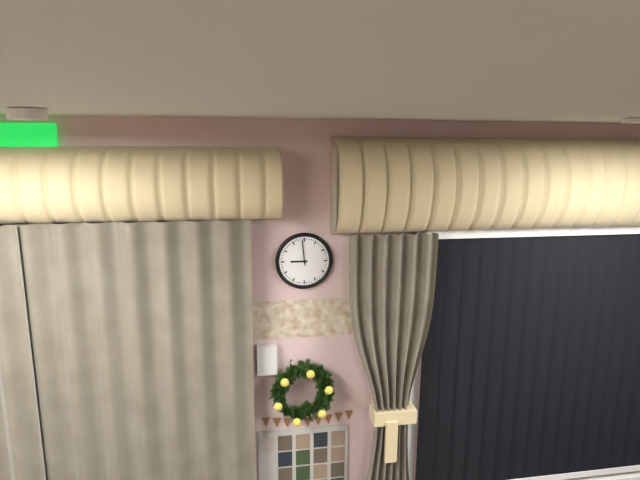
8,59
